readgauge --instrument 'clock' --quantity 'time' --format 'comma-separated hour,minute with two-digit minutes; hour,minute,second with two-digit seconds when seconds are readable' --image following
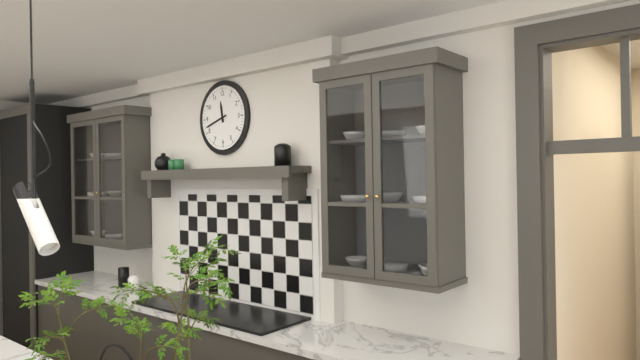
11,42
